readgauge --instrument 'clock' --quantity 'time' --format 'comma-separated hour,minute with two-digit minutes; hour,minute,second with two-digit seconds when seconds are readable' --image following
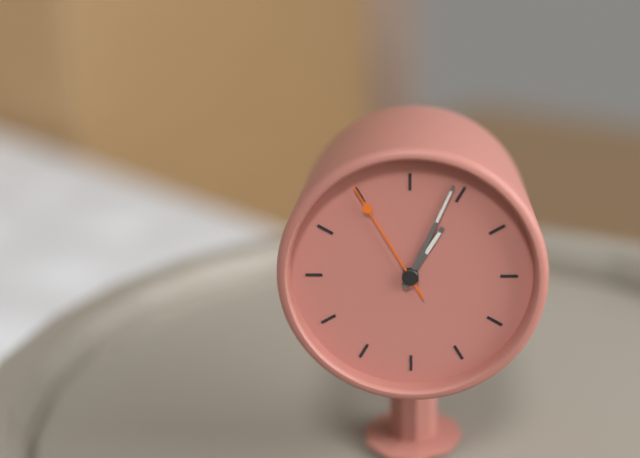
1,04,55
